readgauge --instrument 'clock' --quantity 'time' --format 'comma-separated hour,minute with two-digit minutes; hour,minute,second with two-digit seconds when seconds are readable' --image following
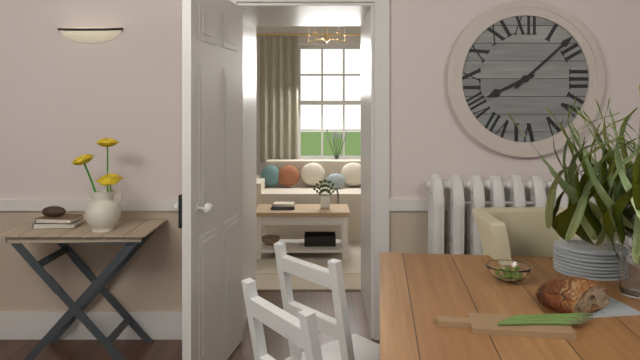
8,08
